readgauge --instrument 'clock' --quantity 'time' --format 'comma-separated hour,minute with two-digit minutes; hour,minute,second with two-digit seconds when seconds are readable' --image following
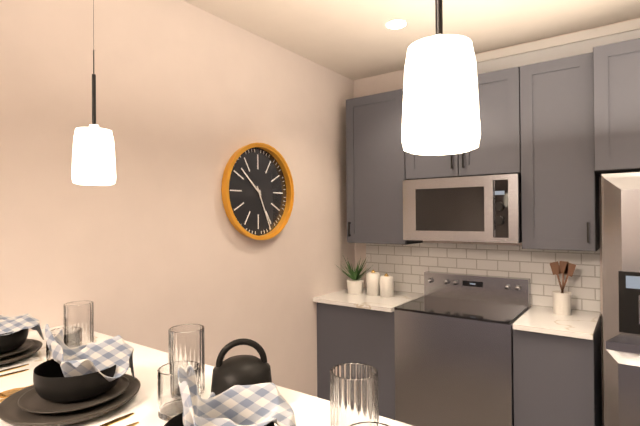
10,26
